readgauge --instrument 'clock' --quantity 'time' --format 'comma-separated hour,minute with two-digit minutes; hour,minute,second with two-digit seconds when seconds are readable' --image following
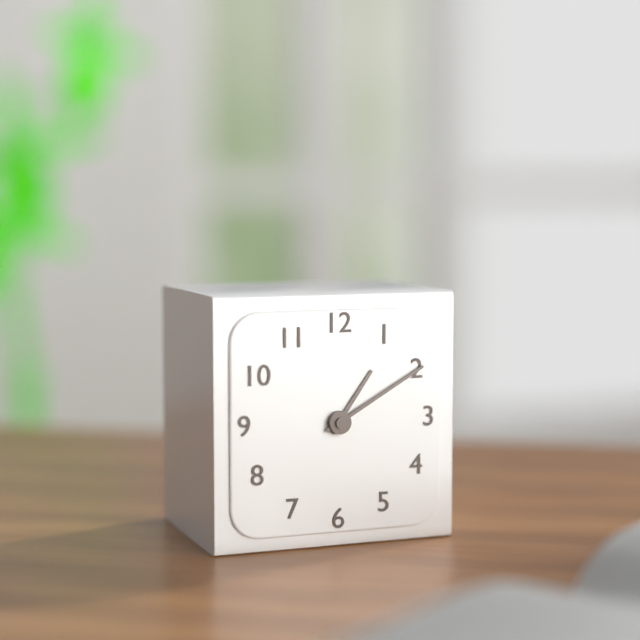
1,10
